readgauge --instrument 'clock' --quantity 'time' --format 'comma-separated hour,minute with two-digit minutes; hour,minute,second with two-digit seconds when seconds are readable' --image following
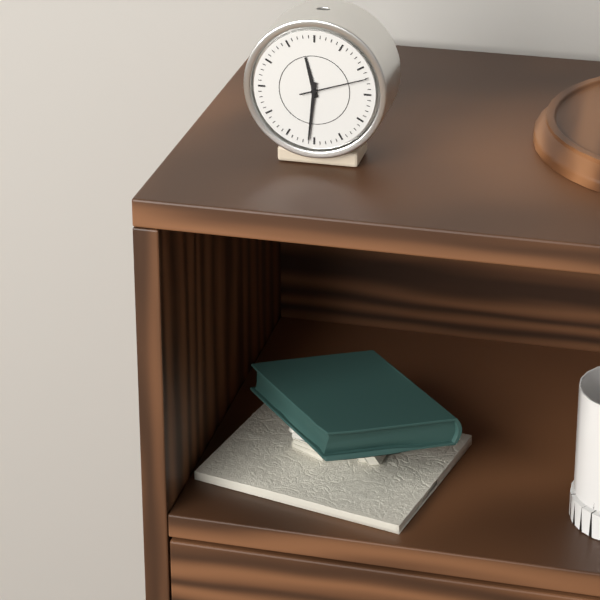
11,31,12
